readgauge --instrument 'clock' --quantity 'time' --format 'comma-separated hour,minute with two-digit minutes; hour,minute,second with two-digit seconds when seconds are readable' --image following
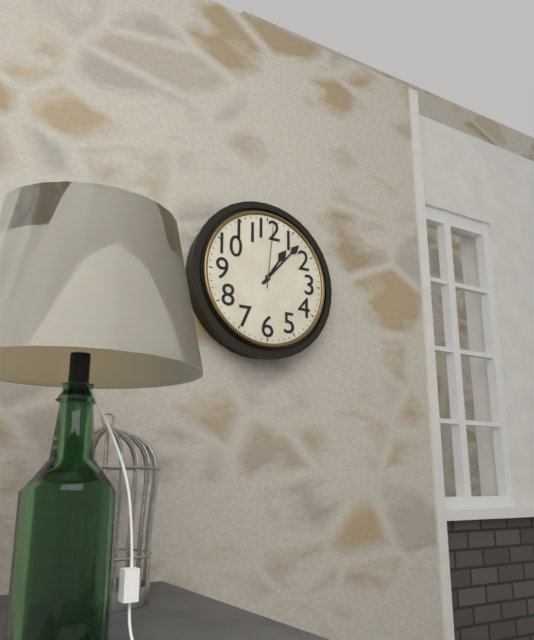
1,07,01
